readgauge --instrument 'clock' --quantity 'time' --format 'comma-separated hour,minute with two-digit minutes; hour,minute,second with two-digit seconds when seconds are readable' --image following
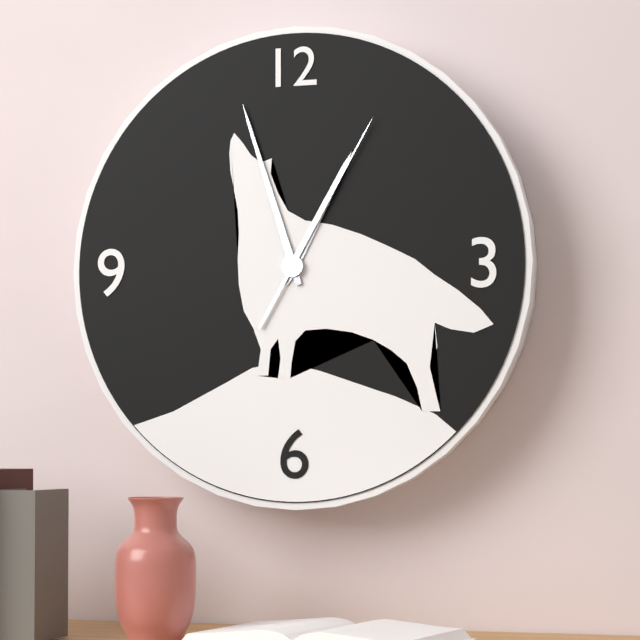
12,57,05
